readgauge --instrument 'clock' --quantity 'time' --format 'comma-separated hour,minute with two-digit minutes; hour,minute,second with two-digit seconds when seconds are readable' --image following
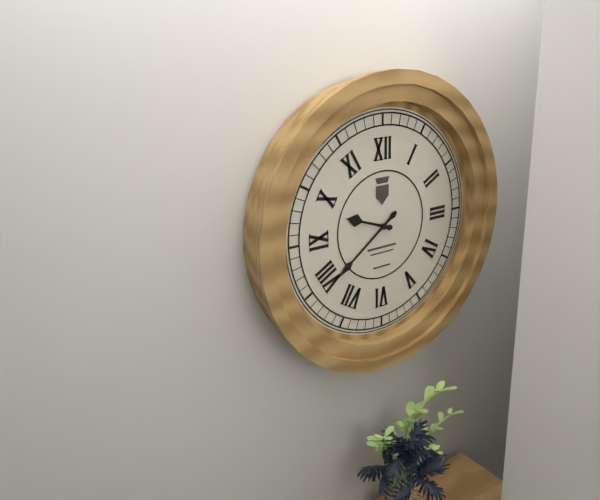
9,39
